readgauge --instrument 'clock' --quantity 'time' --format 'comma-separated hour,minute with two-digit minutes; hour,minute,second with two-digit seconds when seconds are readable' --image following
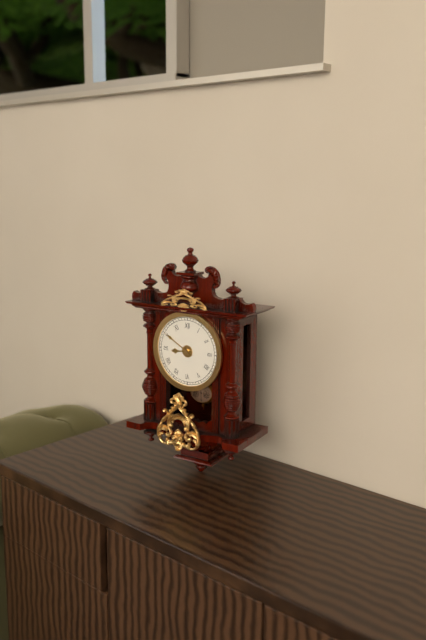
8,50
